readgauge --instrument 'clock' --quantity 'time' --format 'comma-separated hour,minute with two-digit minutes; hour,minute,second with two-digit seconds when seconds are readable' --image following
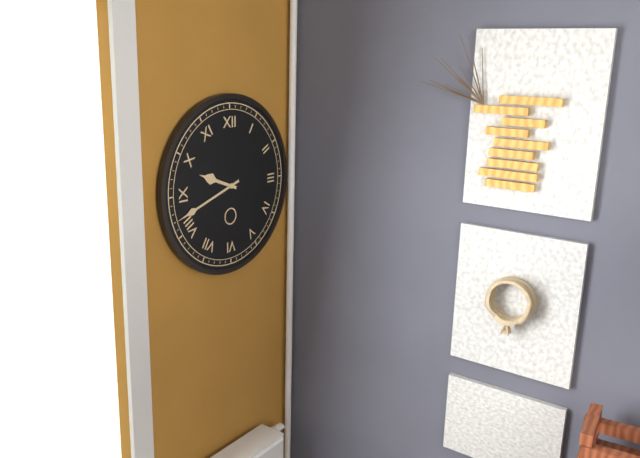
9,42
